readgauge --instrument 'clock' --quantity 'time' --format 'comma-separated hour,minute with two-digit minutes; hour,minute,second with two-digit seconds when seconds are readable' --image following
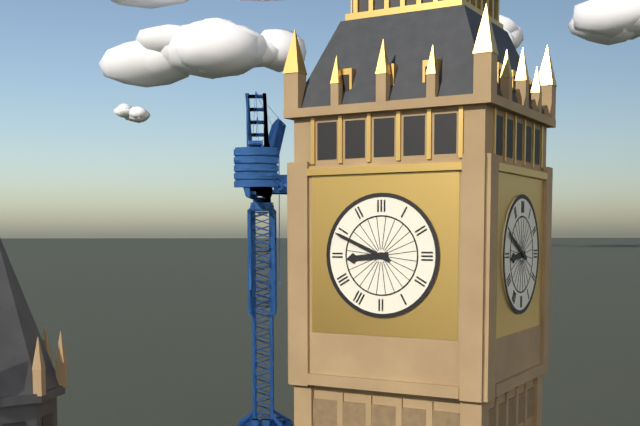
8,49
